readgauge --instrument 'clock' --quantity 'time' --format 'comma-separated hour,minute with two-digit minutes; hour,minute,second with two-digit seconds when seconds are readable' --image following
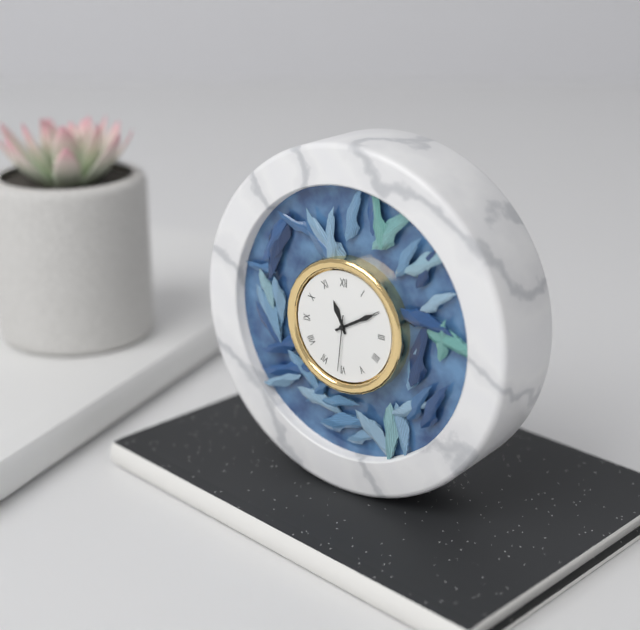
11,10,31
